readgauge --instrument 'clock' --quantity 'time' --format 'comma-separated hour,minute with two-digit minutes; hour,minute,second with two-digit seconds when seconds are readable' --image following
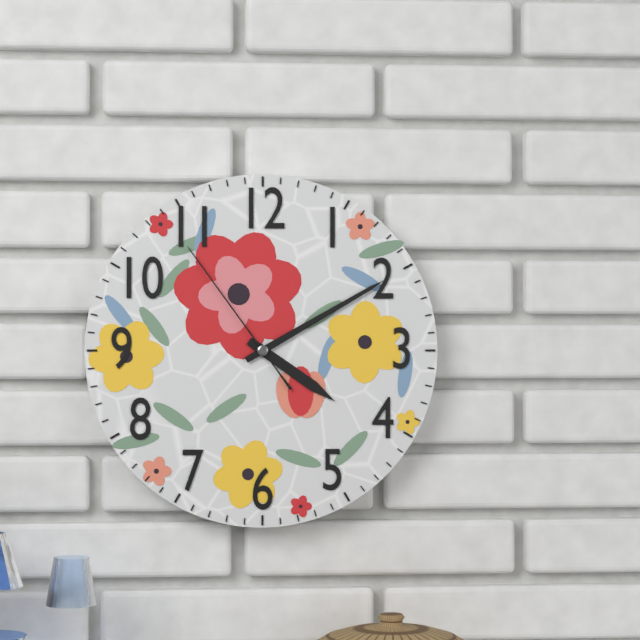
4,10,54
